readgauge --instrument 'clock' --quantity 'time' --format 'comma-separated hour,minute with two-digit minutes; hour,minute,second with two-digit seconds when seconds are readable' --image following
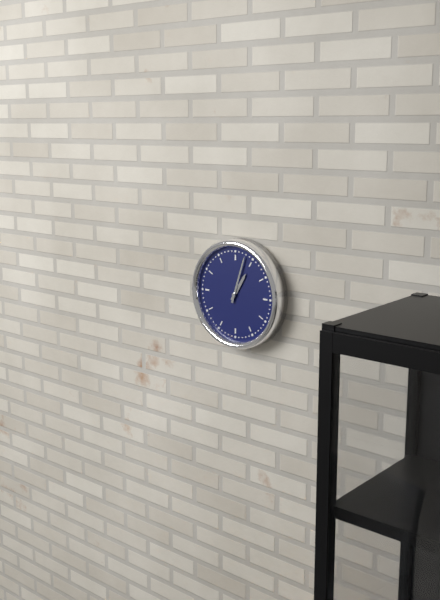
1,03
